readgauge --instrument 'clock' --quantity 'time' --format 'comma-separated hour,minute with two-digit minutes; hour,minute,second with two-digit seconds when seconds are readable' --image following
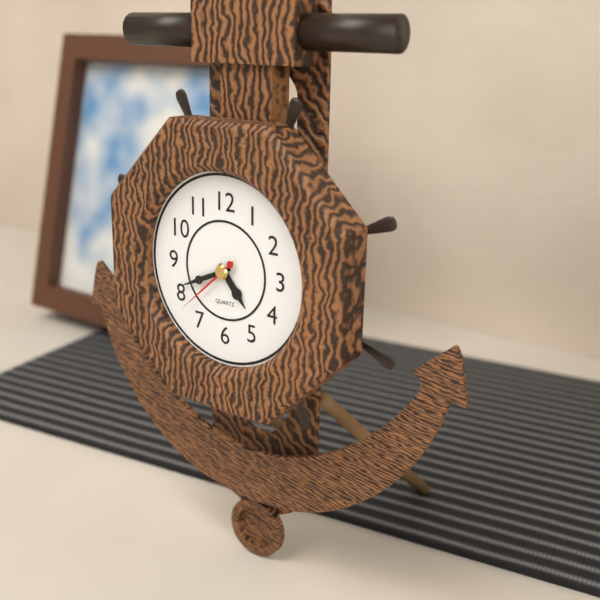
4,41,38
